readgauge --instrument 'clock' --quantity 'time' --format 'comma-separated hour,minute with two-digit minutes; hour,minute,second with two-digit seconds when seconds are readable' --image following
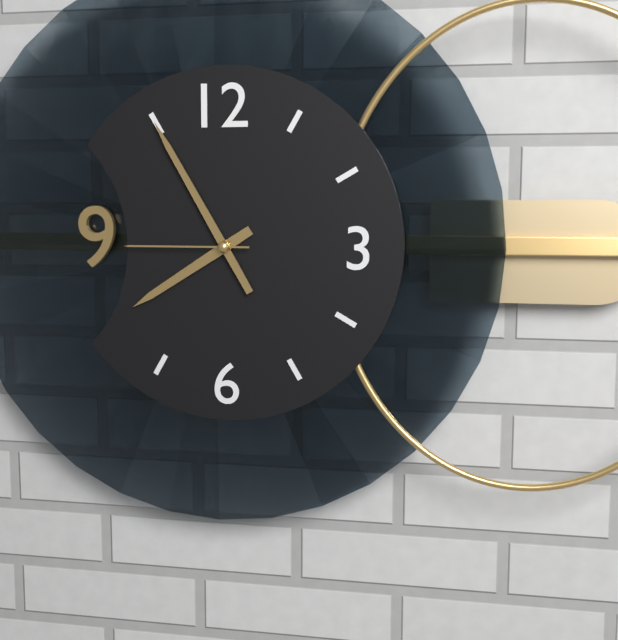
7,55,45
